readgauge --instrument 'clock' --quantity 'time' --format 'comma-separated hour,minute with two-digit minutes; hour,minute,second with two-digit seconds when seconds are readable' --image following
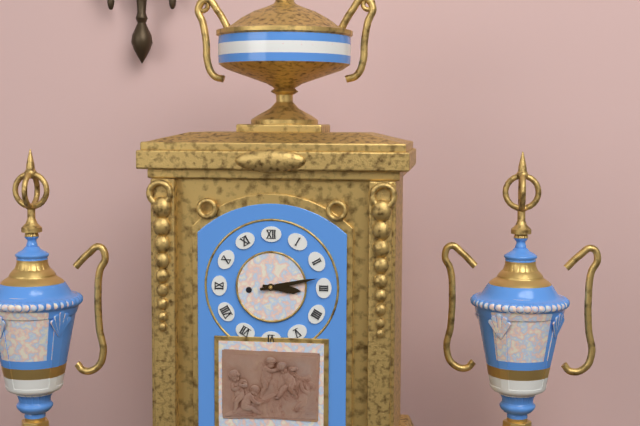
3,13
